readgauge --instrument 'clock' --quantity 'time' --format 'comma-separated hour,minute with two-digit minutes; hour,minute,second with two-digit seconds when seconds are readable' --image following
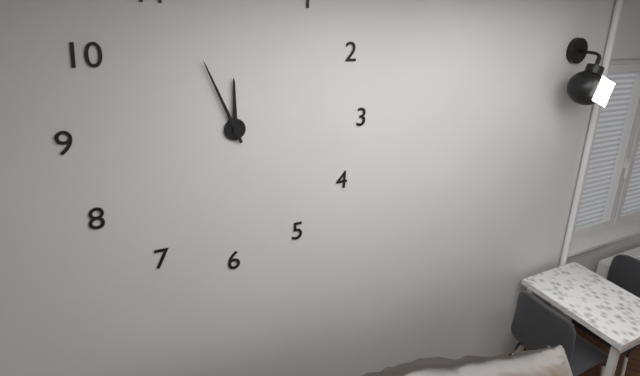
11,56
